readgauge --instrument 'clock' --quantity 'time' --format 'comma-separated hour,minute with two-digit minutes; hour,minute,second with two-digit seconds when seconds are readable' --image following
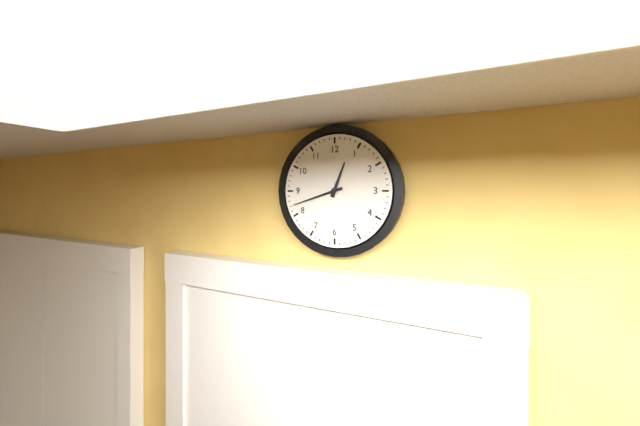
12,42
